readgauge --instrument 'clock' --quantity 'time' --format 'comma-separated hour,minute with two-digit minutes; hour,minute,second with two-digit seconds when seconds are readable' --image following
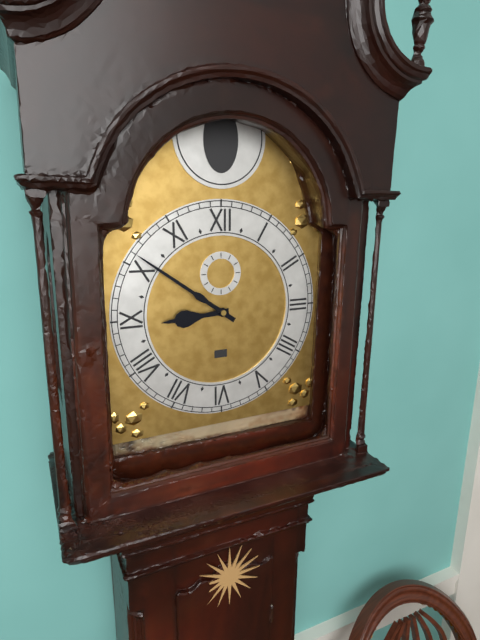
8,51
